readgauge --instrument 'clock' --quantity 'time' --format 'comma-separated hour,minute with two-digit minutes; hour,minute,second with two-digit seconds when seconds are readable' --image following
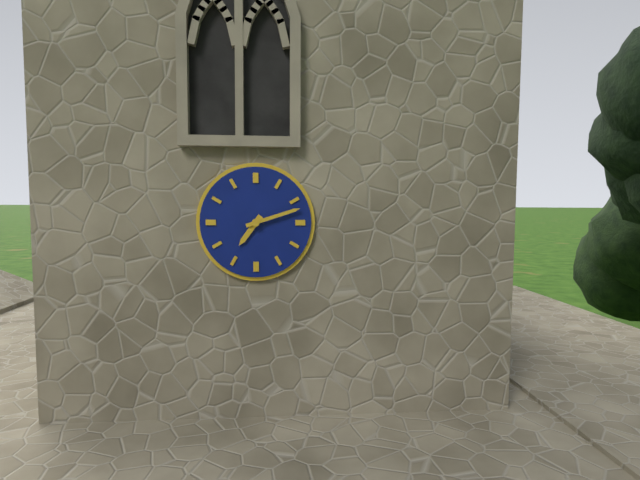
7,12
